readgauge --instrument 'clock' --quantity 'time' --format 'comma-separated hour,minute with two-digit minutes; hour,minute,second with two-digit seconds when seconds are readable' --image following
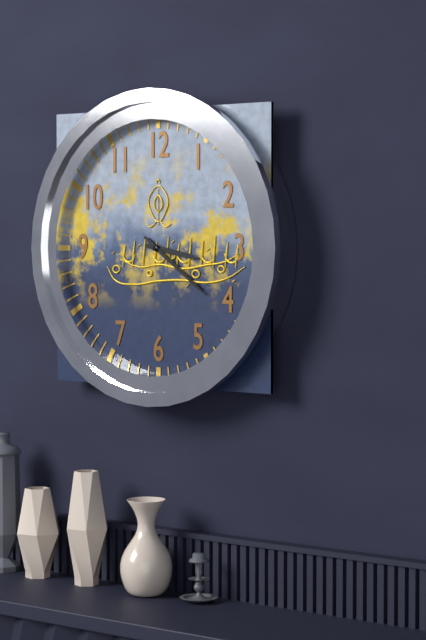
3,21
